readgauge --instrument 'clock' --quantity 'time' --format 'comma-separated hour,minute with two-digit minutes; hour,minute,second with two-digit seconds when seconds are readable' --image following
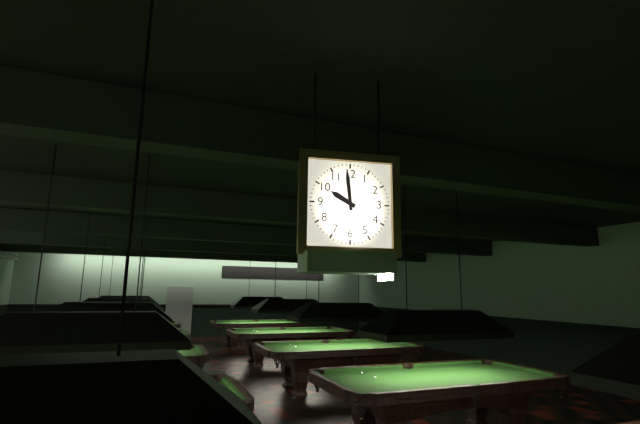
9,59
